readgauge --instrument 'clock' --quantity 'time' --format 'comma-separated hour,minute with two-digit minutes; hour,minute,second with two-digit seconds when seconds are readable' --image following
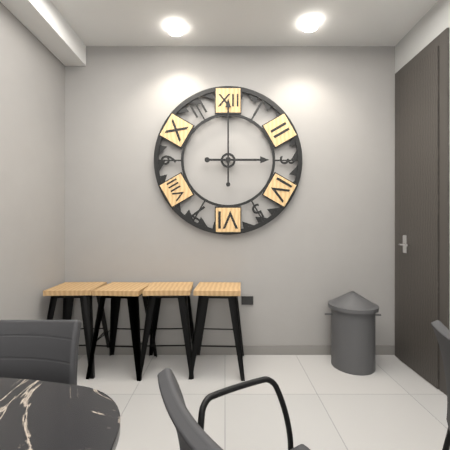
3,00
